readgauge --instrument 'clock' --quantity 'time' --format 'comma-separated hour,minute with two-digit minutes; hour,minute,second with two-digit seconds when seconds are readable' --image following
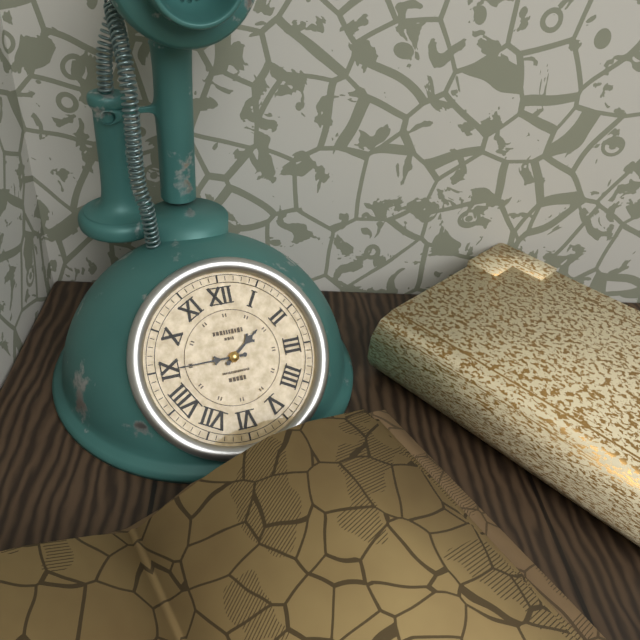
1,45
